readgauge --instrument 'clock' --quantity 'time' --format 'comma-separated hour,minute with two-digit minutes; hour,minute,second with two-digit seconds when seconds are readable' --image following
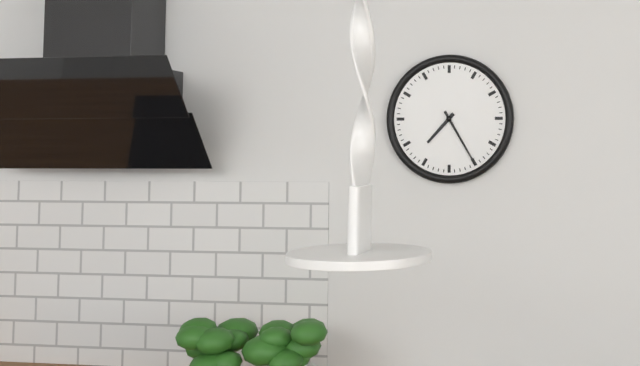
7,25
